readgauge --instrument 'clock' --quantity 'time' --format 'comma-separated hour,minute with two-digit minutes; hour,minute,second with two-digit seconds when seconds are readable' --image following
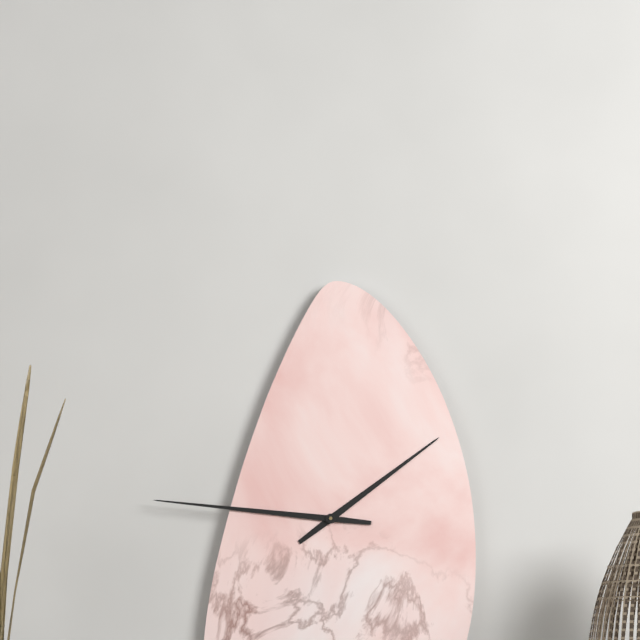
1,46
